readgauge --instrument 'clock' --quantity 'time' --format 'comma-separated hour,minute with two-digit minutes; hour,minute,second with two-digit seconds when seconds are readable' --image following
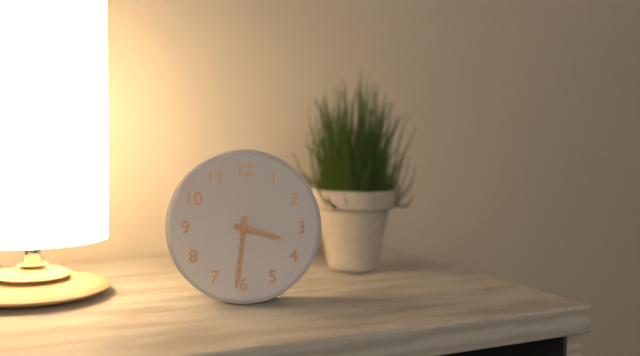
3,31
